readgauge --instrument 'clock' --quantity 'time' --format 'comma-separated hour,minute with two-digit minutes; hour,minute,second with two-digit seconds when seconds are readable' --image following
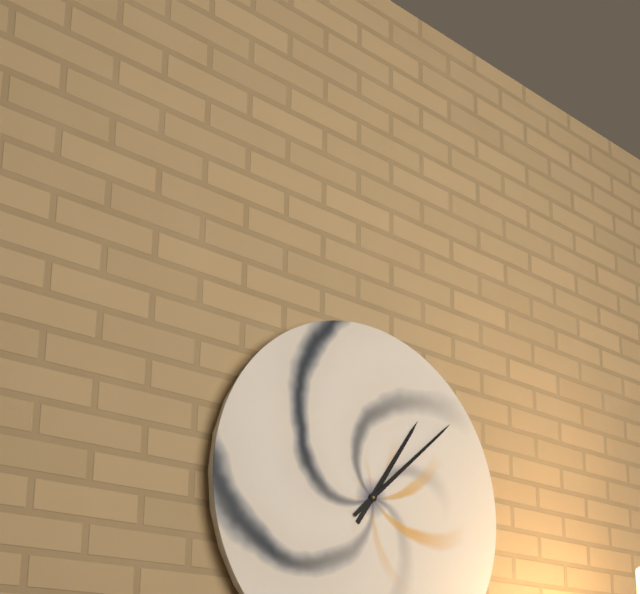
1,08
